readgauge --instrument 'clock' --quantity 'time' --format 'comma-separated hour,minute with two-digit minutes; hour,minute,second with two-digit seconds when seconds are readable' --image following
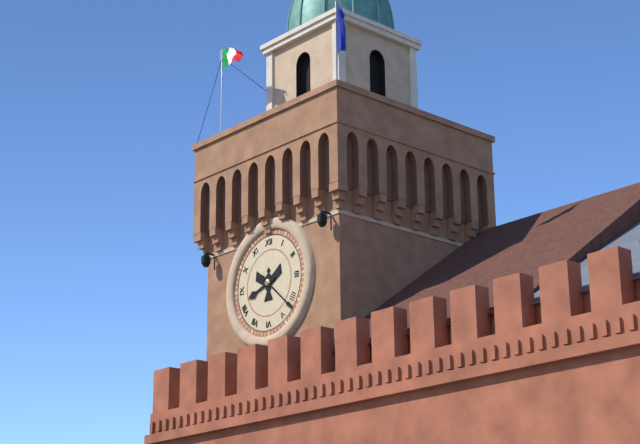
8,22
